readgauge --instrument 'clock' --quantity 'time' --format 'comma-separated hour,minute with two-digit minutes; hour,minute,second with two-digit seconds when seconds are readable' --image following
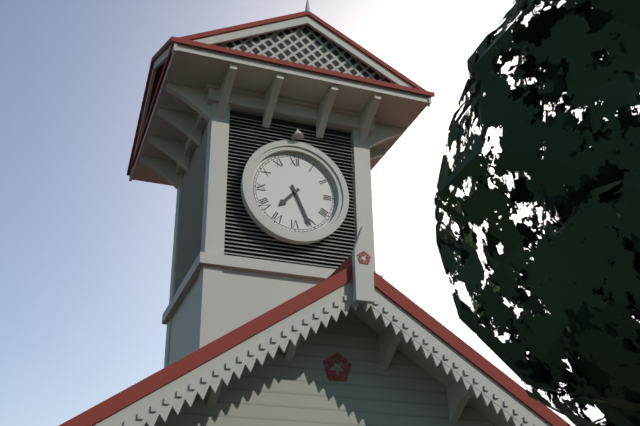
7,26
